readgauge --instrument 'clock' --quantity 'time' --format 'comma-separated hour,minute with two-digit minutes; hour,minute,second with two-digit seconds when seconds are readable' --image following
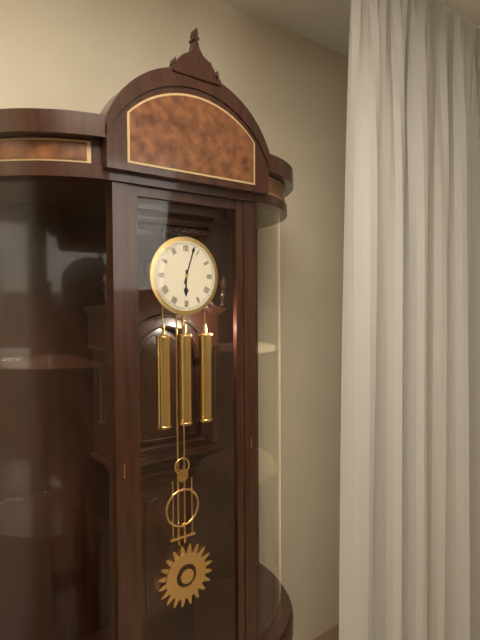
6,03
